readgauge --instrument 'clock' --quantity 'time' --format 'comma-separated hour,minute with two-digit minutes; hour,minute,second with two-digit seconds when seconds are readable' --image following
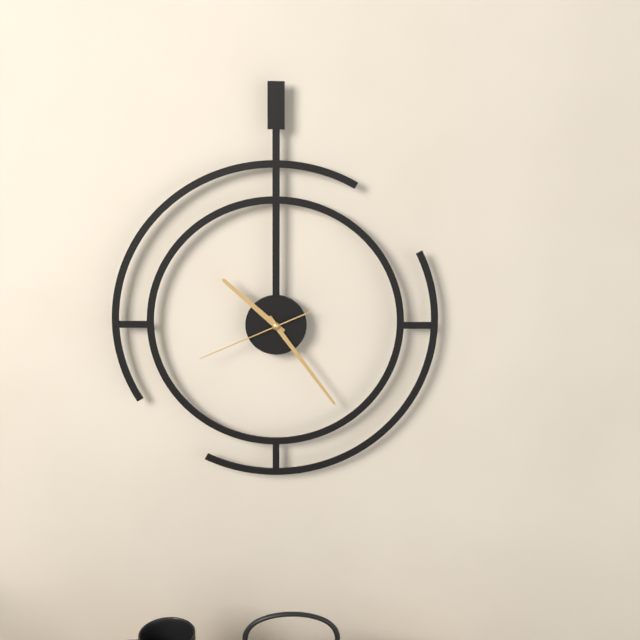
10,24,41
